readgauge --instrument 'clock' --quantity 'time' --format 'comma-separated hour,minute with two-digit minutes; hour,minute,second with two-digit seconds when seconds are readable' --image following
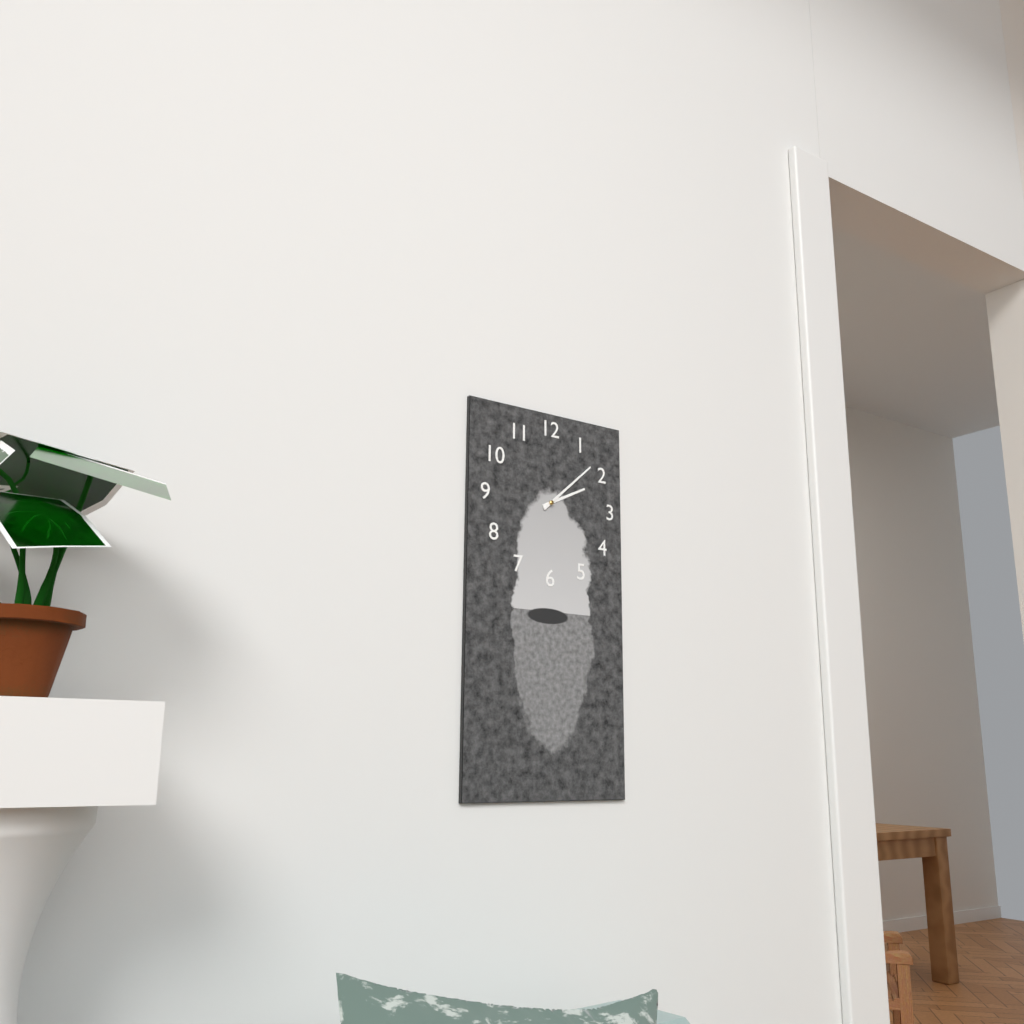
2,08
